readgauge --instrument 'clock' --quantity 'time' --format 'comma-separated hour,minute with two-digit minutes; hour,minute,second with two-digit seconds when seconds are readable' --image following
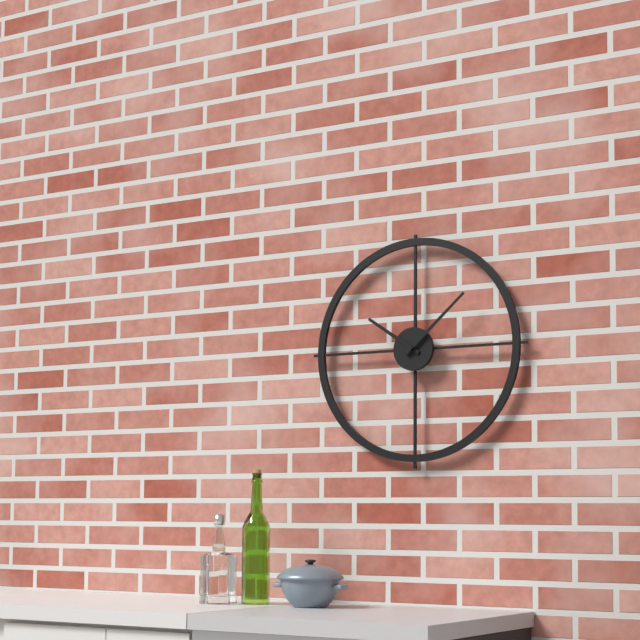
10,08
